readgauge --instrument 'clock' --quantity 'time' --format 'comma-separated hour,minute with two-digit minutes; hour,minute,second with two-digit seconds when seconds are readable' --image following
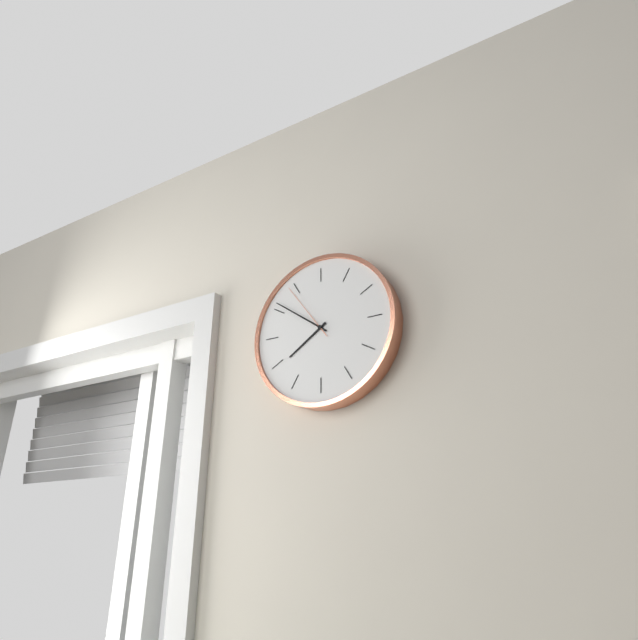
7,51,54
